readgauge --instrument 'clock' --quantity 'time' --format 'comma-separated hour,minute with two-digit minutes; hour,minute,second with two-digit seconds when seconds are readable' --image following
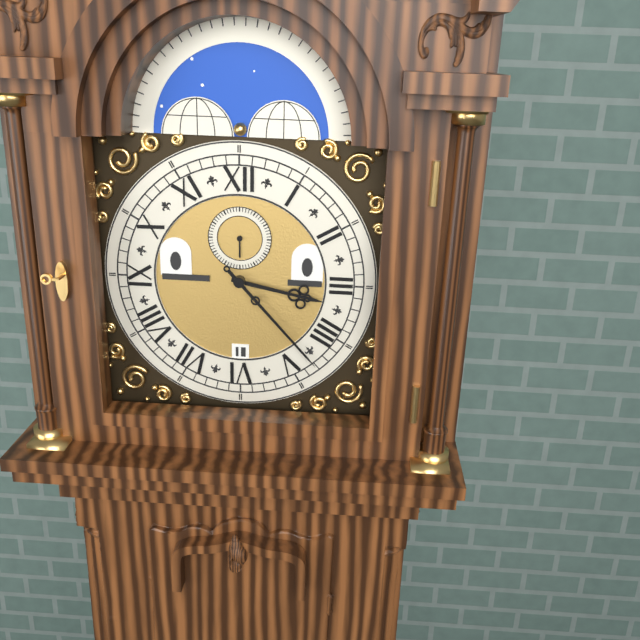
3,23
